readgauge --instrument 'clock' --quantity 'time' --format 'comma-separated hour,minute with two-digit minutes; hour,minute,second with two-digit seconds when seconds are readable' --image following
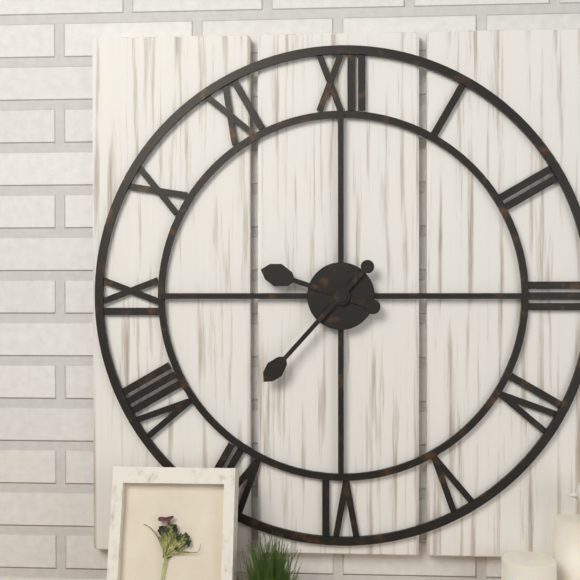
9,37
